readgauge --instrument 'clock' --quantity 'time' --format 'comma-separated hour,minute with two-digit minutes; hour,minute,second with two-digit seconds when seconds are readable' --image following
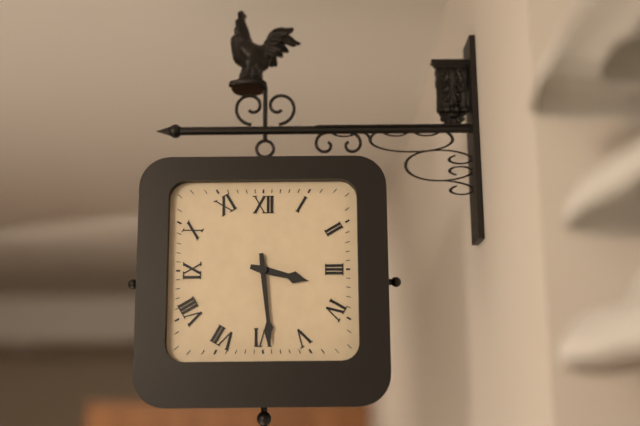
3,29
